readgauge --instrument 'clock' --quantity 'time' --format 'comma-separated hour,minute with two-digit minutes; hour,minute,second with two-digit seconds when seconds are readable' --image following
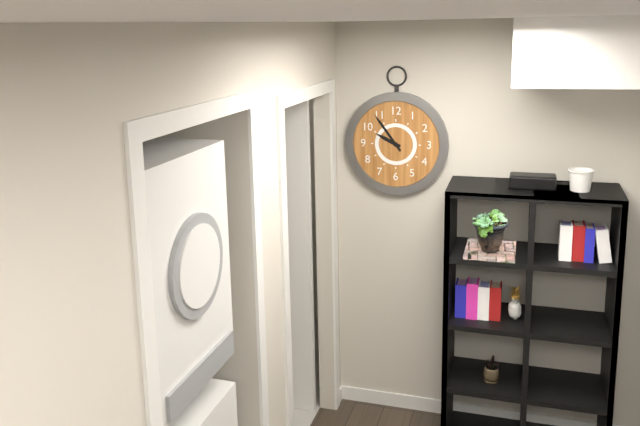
9,54
